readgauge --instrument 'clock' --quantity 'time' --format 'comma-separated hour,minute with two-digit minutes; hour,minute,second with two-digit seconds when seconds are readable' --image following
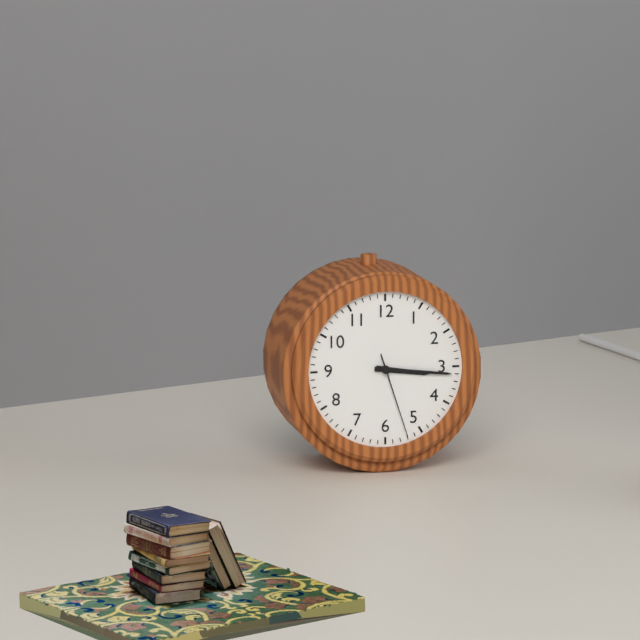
3,16,27
